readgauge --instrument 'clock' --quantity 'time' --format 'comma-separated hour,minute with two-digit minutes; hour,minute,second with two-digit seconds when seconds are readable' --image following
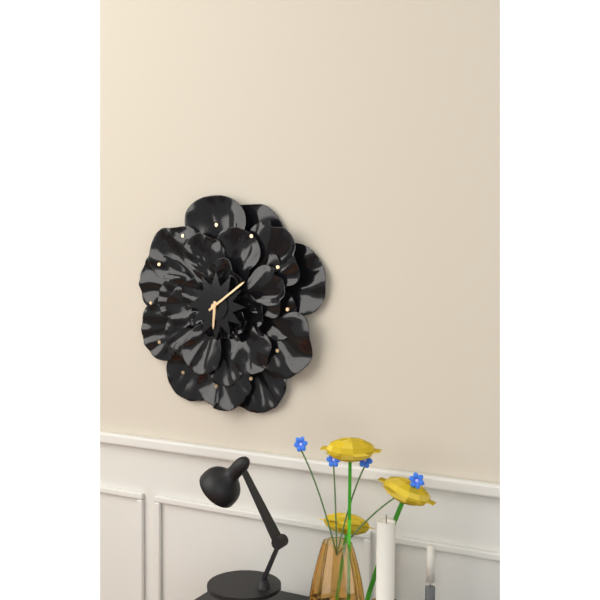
6,09
